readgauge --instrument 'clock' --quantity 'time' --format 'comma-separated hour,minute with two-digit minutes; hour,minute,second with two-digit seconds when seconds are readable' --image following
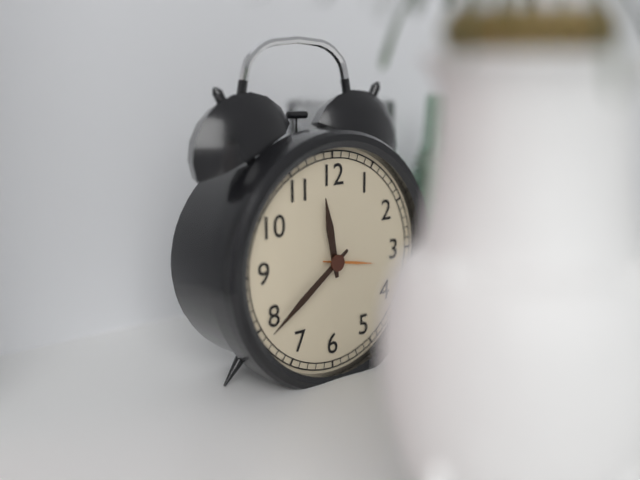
11,39
